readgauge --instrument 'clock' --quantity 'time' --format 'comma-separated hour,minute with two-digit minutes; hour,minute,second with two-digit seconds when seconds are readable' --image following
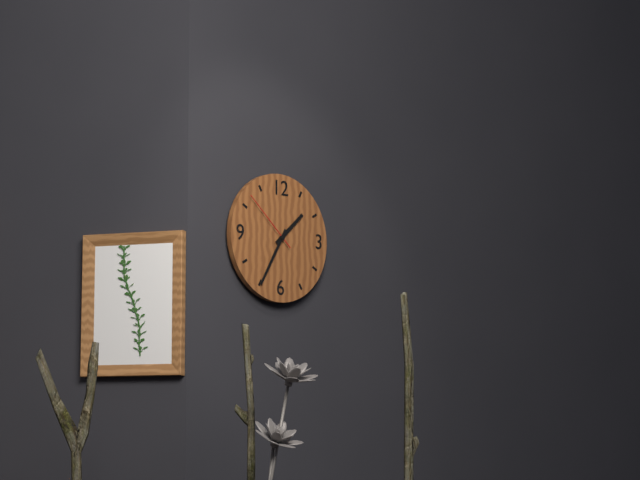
1,35,52
